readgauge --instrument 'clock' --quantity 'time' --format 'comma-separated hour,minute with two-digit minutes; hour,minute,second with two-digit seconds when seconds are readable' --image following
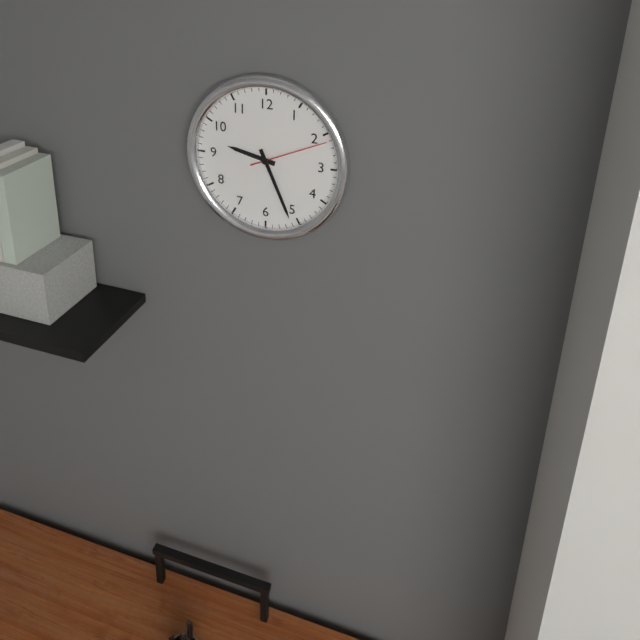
9,26,11
